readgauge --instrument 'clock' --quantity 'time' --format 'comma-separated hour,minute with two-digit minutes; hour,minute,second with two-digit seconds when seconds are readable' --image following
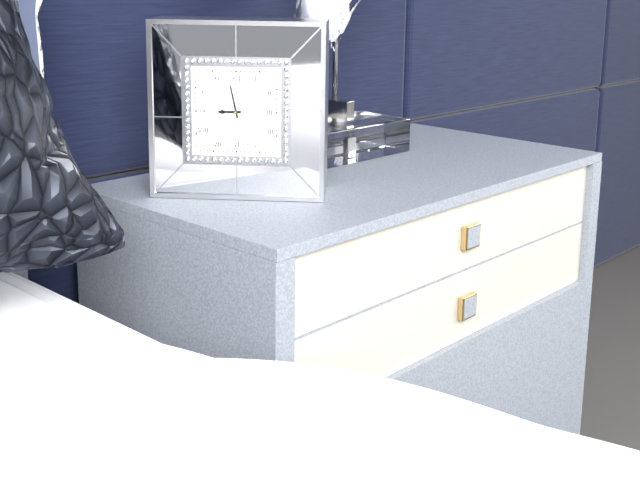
8,58
